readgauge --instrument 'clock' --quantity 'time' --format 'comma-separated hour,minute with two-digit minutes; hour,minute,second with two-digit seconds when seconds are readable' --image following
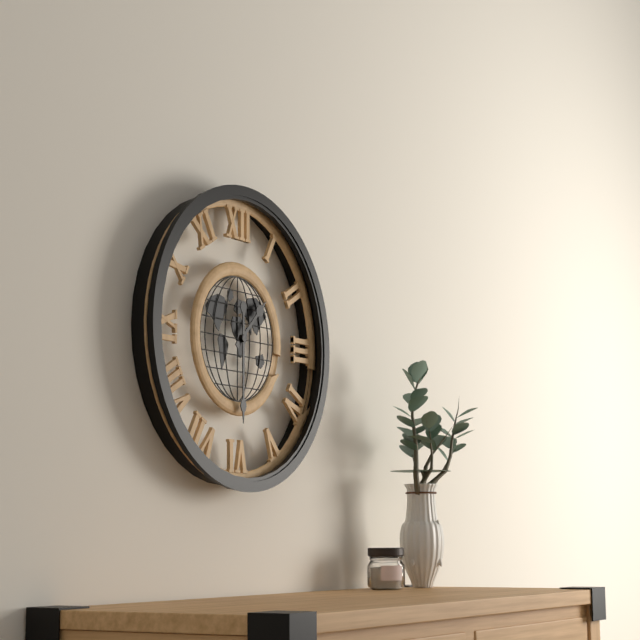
1,30
